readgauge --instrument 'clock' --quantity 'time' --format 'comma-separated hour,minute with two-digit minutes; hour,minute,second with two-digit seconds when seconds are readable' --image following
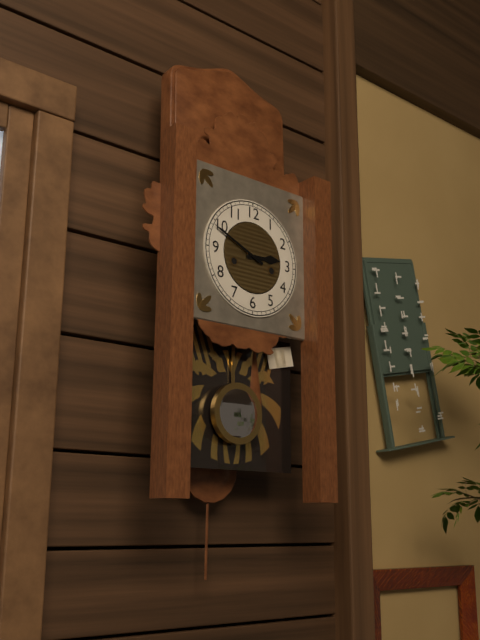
2,49
